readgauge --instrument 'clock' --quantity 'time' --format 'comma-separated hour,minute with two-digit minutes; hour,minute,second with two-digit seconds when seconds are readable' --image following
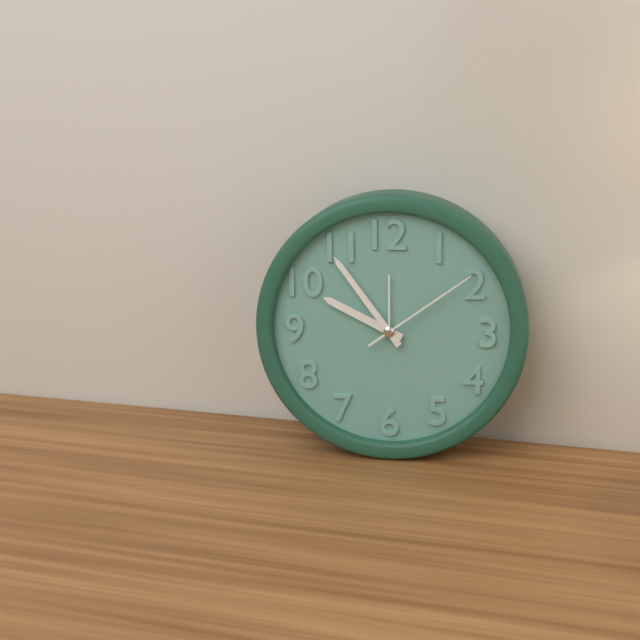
9,54,09
